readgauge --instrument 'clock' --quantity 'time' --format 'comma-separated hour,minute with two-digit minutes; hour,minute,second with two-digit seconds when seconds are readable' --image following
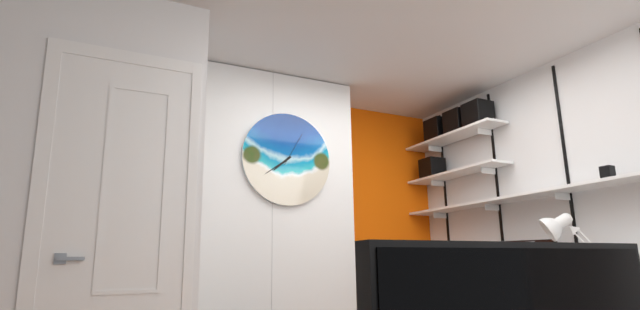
7,39
